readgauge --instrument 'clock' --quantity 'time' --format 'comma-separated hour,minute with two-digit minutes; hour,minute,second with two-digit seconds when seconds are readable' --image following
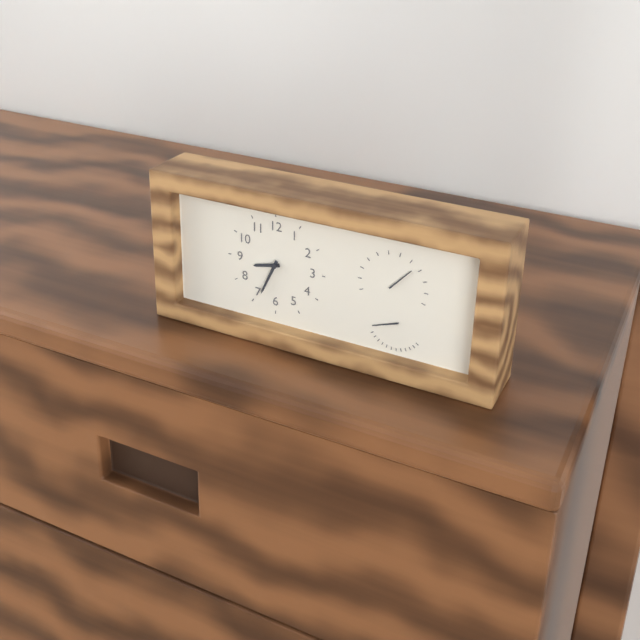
8,34
